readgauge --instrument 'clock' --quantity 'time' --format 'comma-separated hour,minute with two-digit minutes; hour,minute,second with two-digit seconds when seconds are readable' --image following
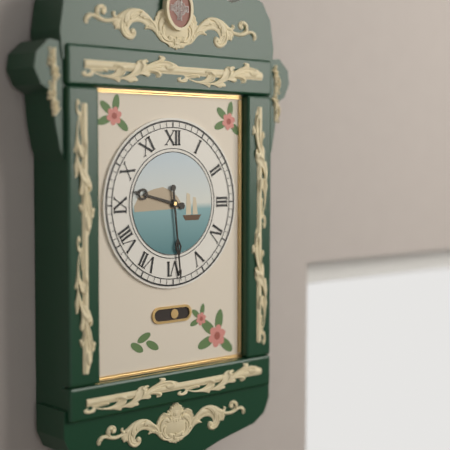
9,29
